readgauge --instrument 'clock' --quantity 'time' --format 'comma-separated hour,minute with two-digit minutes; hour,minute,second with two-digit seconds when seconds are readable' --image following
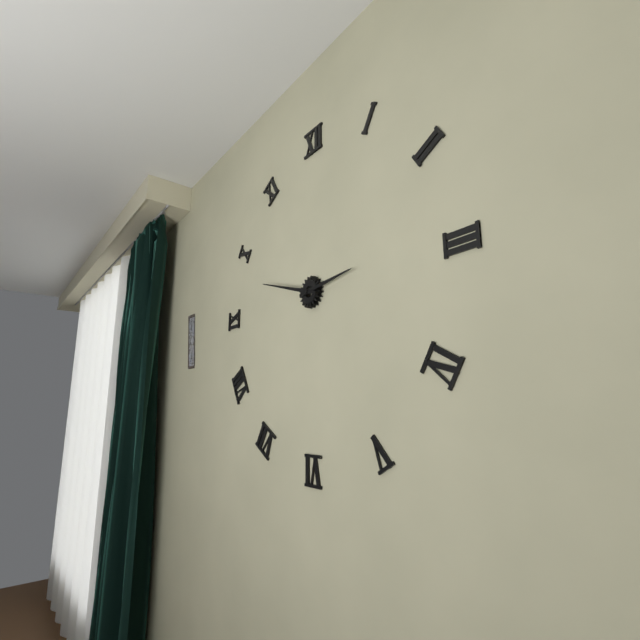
2,48
